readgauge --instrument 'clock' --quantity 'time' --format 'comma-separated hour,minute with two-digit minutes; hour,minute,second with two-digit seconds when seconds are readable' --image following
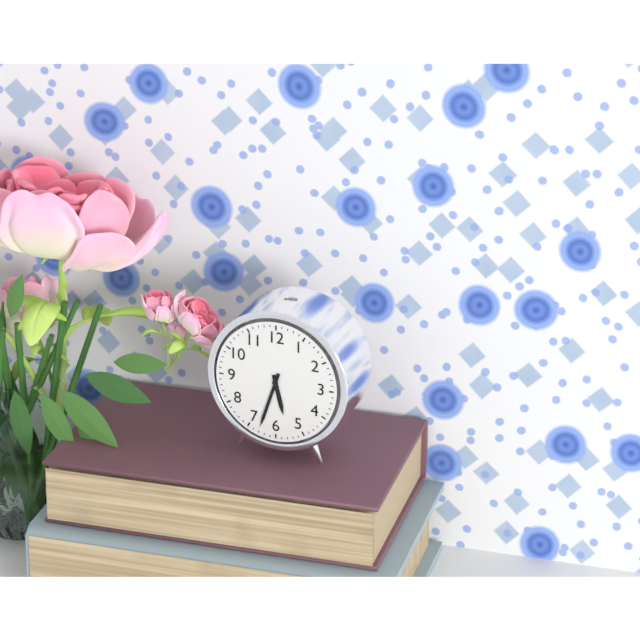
5,33
